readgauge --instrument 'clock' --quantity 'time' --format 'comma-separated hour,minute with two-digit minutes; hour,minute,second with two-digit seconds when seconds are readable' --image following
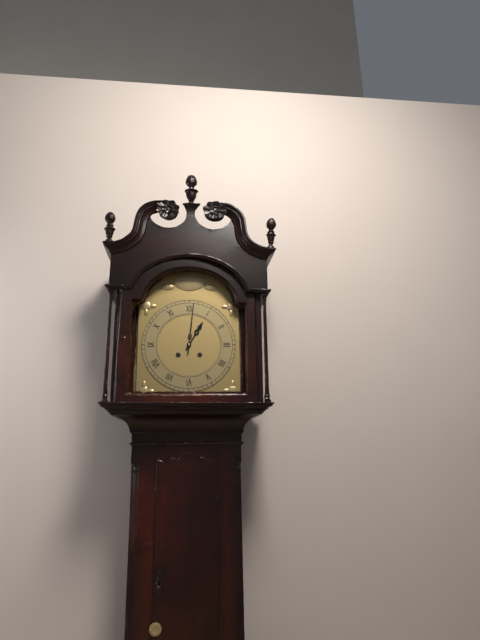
1,01
